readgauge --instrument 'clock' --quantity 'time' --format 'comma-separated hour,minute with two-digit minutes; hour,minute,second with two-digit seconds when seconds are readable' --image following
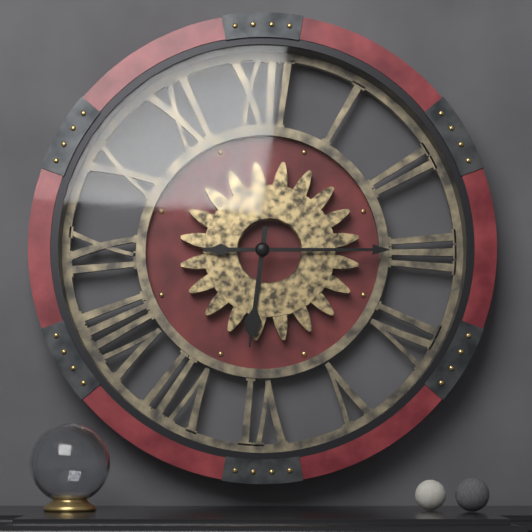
6,15
